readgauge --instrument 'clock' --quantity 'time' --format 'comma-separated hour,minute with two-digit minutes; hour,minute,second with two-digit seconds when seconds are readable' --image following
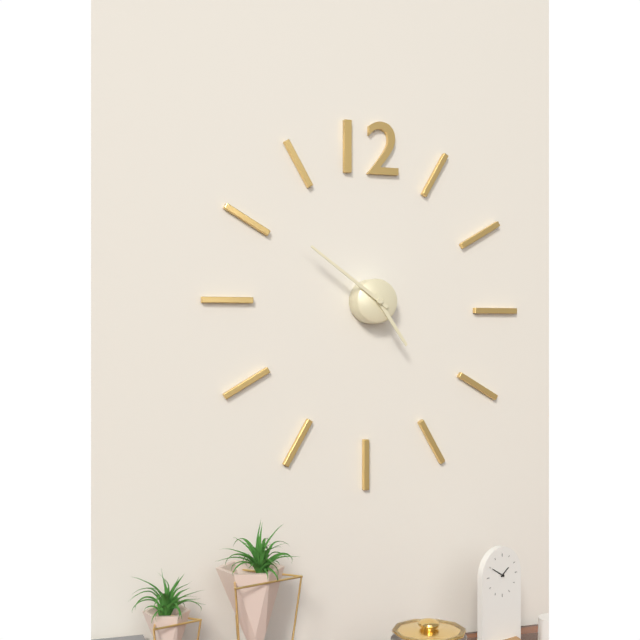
4,51
